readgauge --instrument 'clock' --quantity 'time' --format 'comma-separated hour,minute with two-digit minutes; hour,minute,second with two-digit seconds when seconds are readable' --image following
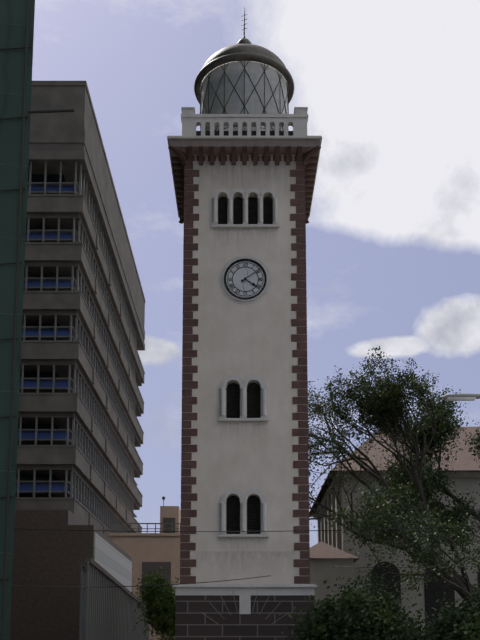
4,09
